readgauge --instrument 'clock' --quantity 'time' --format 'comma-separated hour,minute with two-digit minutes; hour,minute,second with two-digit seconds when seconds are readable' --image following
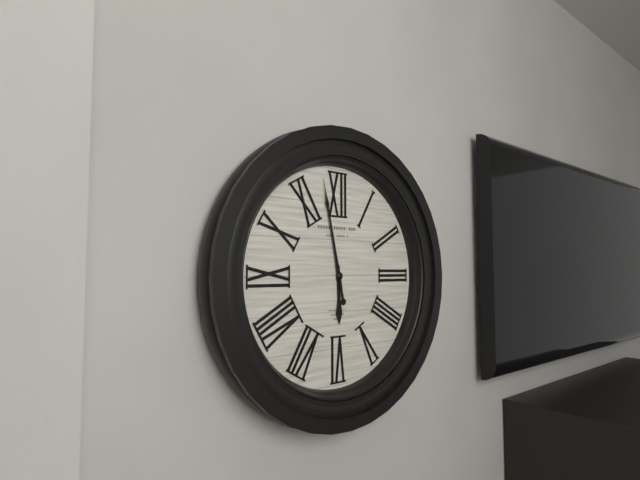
5,58
